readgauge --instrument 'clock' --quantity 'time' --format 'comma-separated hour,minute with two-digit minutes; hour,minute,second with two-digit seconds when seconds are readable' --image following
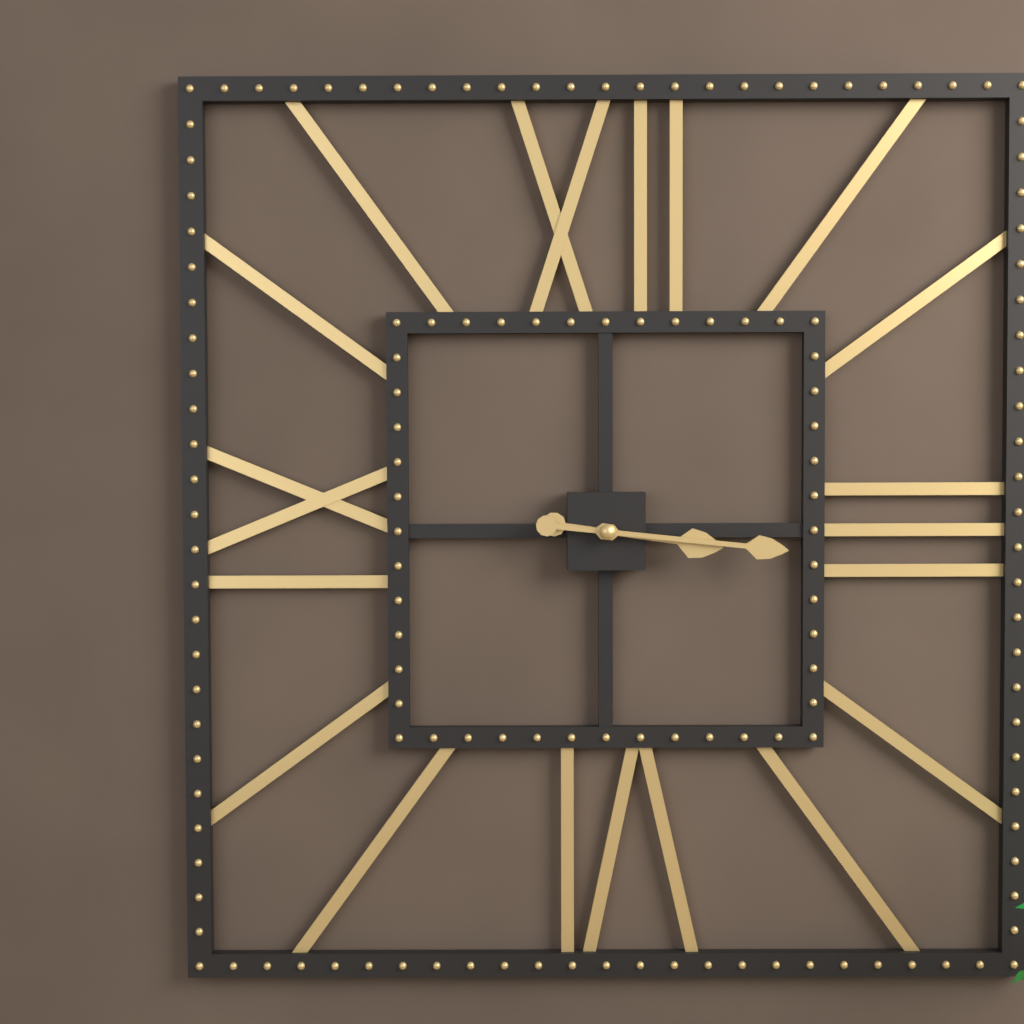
3,16
